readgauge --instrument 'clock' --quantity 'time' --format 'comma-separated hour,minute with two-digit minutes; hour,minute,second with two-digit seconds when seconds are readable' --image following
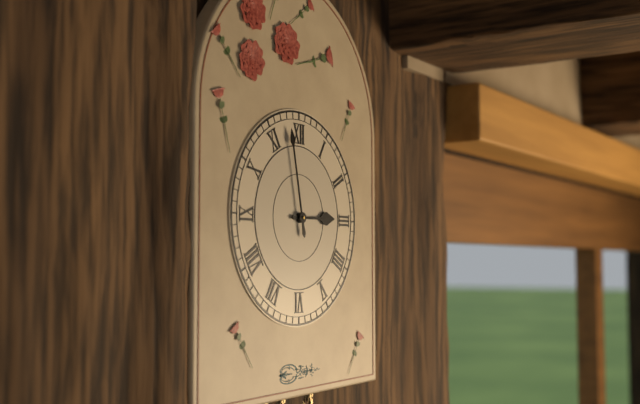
2,58
